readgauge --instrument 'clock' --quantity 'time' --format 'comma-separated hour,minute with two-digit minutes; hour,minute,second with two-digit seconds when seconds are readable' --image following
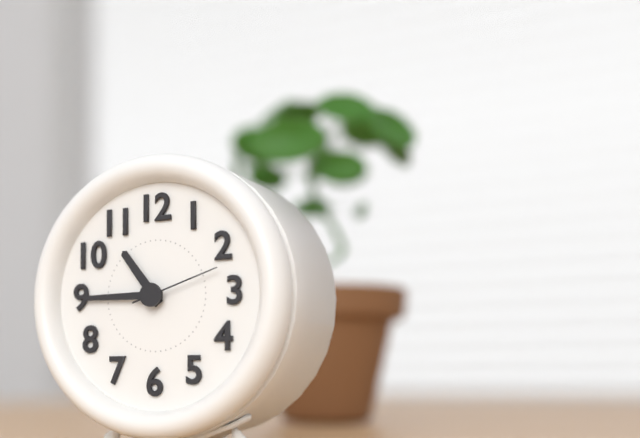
10,45,12
